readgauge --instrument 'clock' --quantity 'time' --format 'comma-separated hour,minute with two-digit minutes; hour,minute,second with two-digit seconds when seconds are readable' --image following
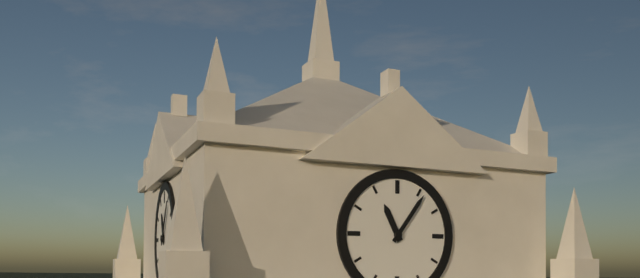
11,06
